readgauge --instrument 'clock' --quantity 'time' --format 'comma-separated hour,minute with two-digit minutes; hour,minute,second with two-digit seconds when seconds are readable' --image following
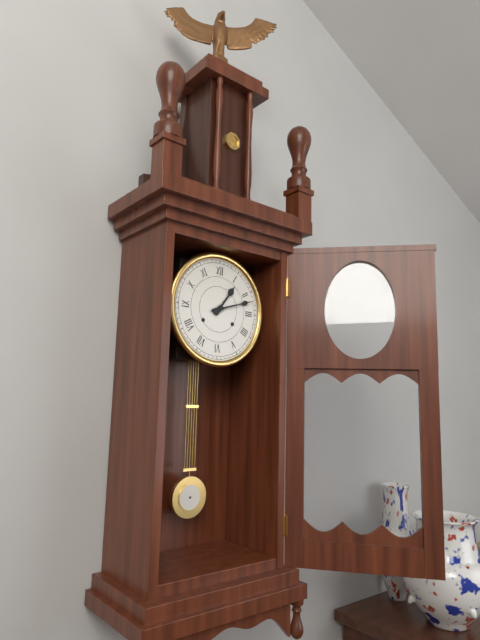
1,12
